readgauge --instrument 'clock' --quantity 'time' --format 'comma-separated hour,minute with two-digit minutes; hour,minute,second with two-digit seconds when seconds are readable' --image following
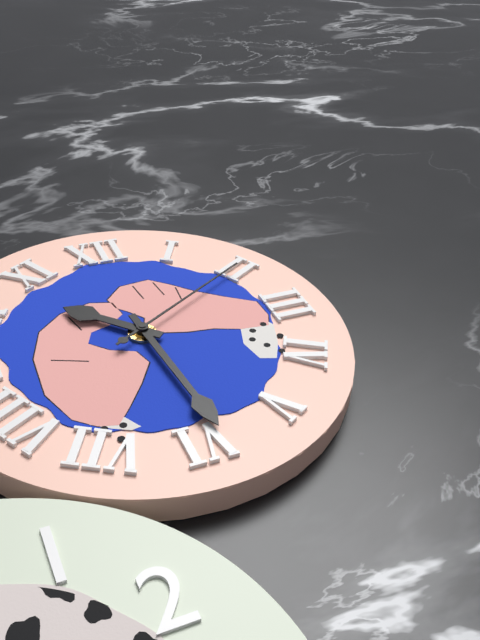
10,29,10
